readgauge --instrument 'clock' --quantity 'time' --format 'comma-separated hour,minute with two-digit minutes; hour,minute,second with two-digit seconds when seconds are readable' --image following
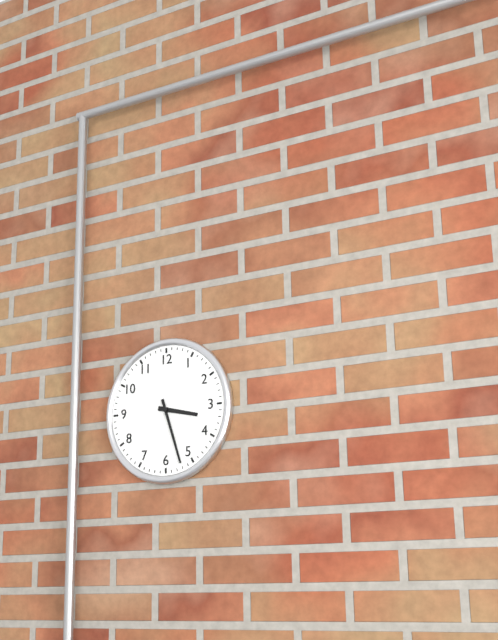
3,27
